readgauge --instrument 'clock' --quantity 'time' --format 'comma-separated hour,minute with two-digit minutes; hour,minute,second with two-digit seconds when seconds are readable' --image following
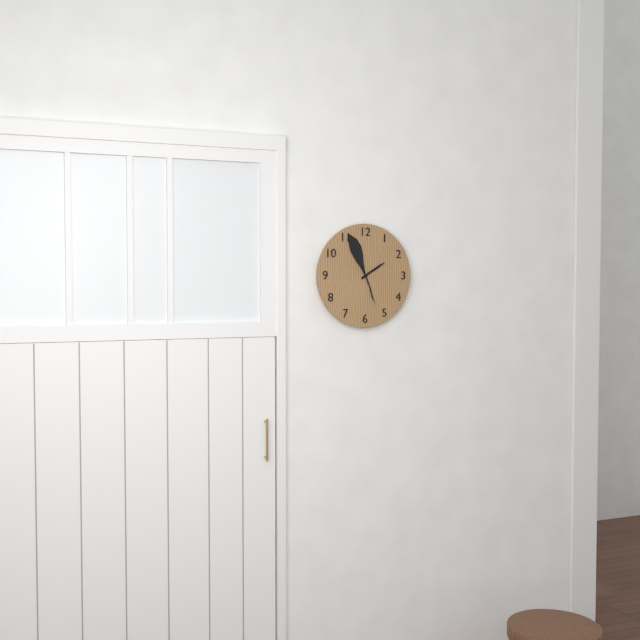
1,56
